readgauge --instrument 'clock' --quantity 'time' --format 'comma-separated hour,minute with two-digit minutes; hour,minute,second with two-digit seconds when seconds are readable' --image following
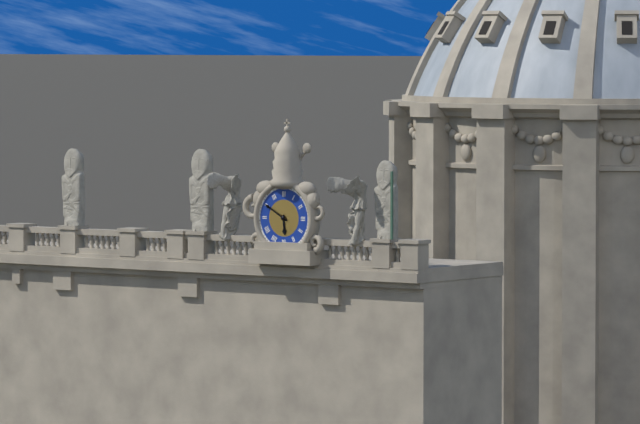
5,50
